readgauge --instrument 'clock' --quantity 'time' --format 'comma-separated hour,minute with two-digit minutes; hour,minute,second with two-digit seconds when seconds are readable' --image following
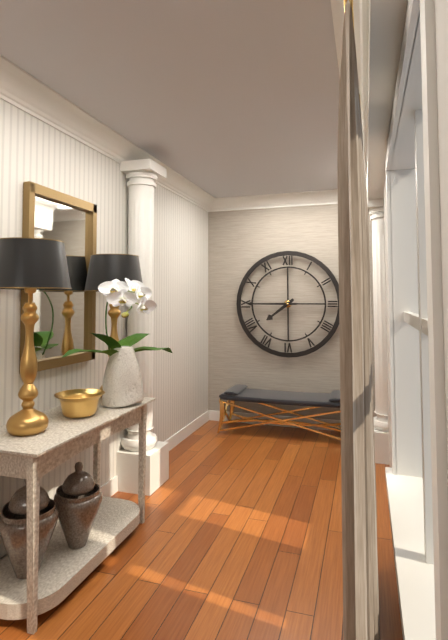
7,45
